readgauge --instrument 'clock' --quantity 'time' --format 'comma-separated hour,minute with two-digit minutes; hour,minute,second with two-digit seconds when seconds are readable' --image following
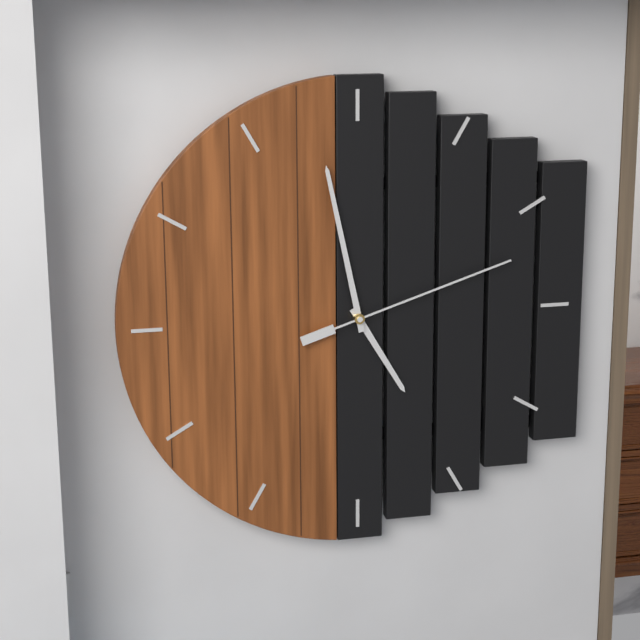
4,58,12
